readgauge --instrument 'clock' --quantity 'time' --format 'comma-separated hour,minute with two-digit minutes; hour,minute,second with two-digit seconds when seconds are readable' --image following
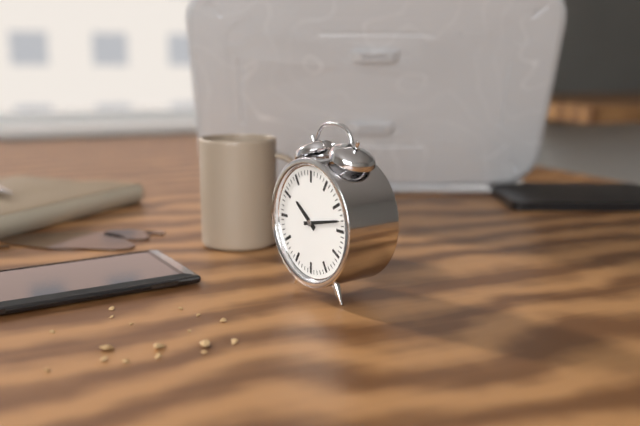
10,13
